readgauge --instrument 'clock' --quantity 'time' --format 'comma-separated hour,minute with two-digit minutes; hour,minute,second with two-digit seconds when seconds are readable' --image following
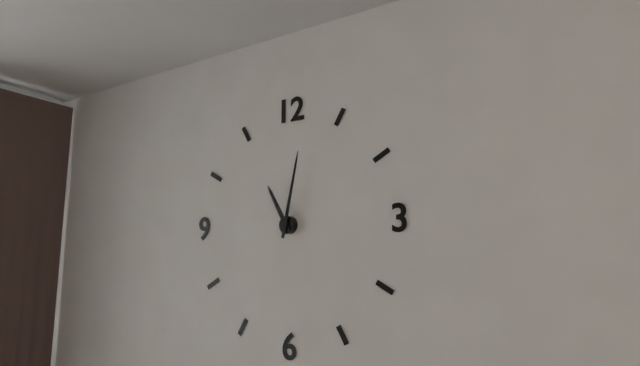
11,02
